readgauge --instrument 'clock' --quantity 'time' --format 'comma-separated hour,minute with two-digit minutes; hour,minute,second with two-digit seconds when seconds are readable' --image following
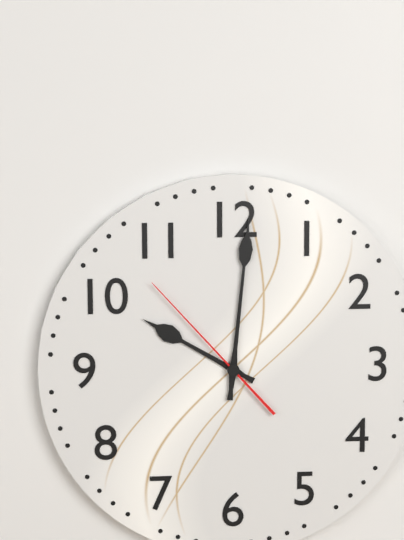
10,01,53
